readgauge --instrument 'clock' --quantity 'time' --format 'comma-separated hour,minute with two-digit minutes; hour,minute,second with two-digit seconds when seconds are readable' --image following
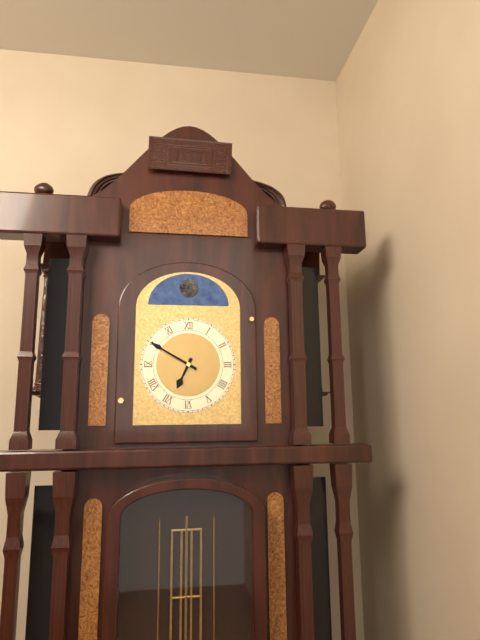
6,50
